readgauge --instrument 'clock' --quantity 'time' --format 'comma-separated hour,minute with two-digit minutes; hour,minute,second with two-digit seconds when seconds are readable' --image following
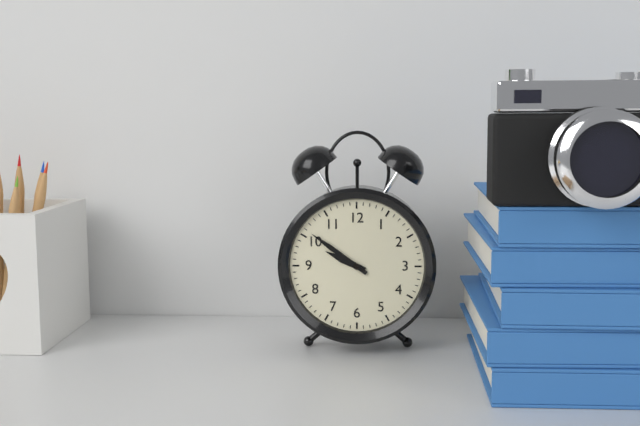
9,51
